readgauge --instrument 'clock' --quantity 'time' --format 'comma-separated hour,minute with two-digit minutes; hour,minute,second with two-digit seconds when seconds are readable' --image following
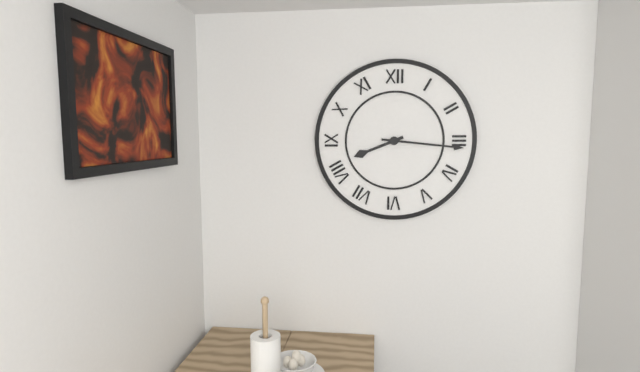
8,16
